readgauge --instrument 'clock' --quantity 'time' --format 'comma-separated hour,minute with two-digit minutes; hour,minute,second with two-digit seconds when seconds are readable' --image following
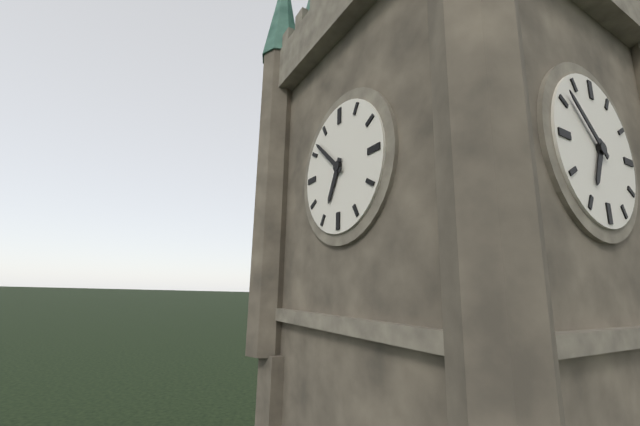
6,52
